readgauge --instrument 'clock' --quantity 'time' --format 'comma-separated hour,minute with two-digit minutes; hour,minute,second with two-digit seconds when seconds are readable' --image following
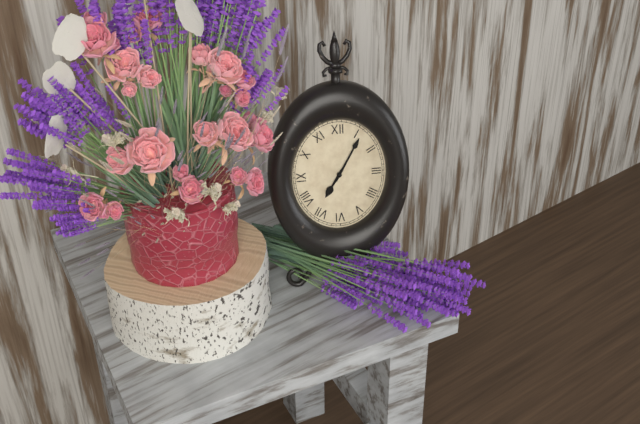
7,05
